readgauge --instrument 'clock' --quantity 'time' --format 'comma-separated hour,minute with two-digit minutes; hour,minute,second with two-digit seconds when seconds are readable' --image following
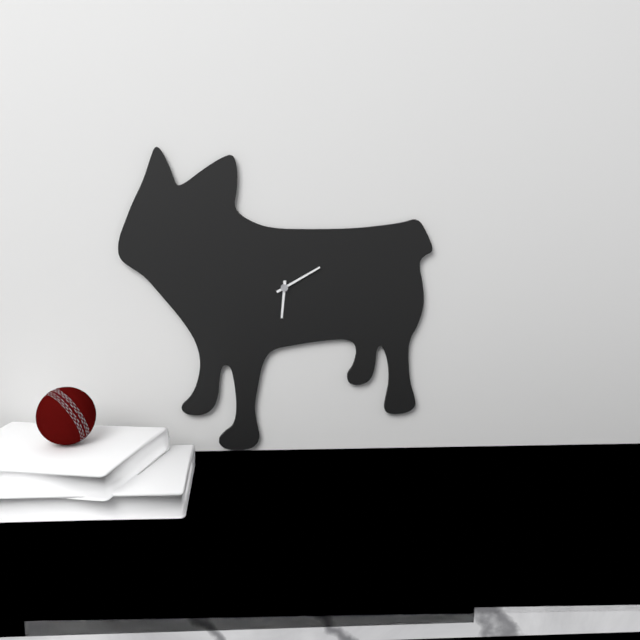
6,10
